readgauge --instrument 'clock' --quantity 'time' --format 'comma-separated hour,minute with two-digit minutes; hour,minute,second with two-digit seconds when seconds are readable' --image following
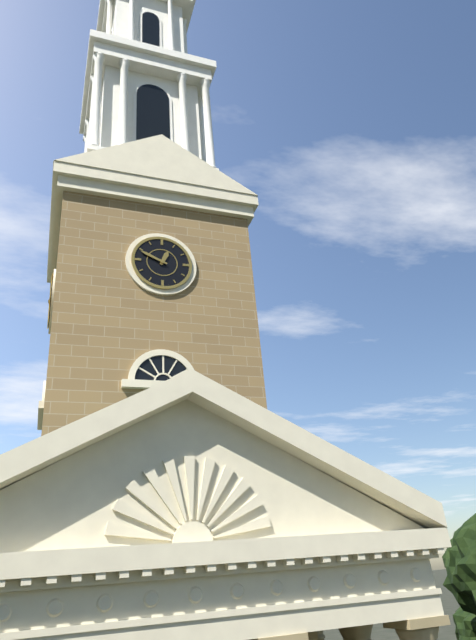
12,49
